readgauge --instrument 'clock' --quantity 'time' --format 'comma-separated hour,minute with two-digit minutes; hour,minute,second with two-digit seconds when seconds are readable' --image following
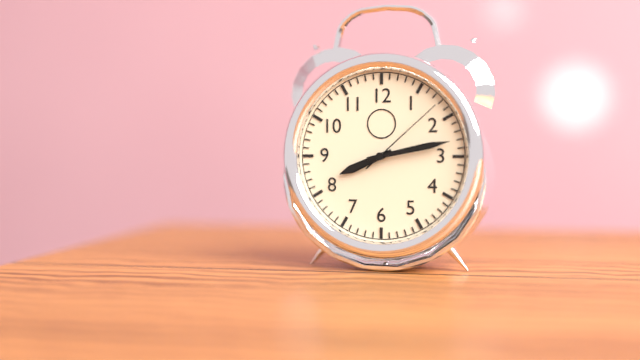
8,13,08
